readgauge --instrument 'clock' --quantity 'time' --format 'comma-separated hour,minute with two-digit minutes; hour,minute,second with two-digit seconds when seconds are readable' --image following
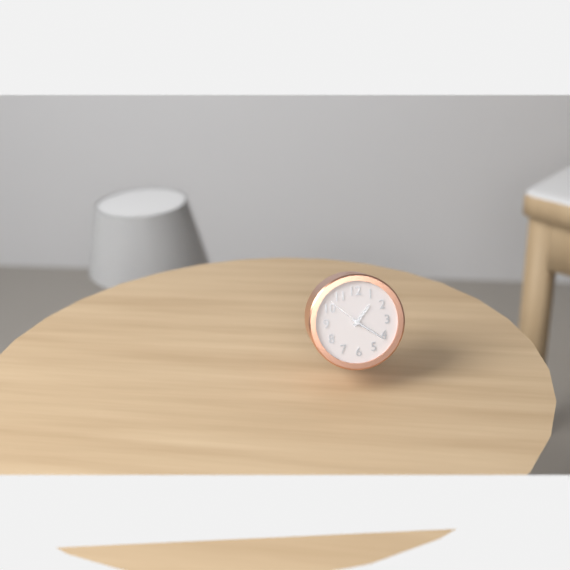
1,21
